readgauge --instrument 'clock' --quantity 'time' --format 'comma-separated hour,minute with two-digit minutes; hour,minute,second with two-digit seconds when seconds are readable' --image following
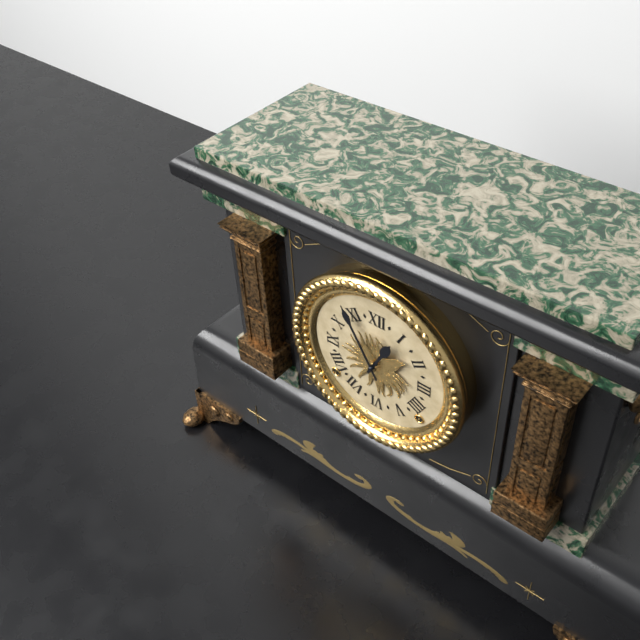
12,55
